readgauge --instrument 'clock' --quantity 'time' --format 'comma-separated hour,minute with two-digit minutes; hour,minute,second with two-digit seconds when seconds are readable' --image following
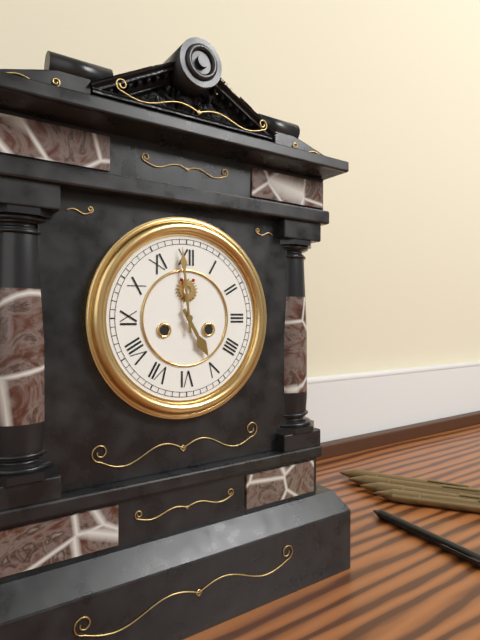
4,59
